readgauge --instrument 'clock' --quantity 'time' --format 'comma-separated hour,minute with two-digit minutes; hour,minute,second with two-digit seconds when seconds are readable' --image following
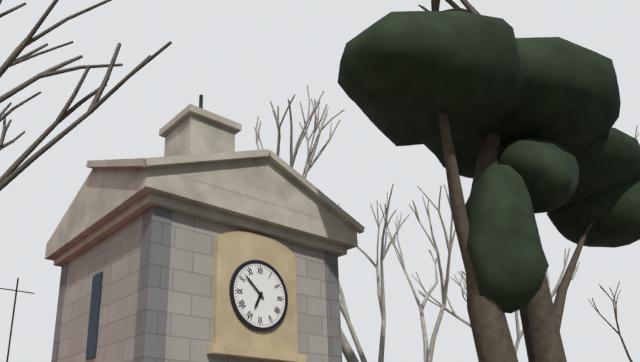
6,52
